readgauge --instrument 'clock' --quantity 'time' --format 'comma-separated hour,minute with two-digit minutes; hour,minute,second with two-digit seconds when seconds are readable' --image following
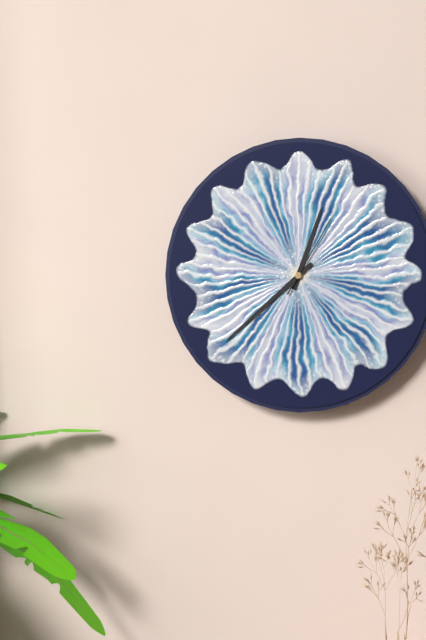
12,38,05
